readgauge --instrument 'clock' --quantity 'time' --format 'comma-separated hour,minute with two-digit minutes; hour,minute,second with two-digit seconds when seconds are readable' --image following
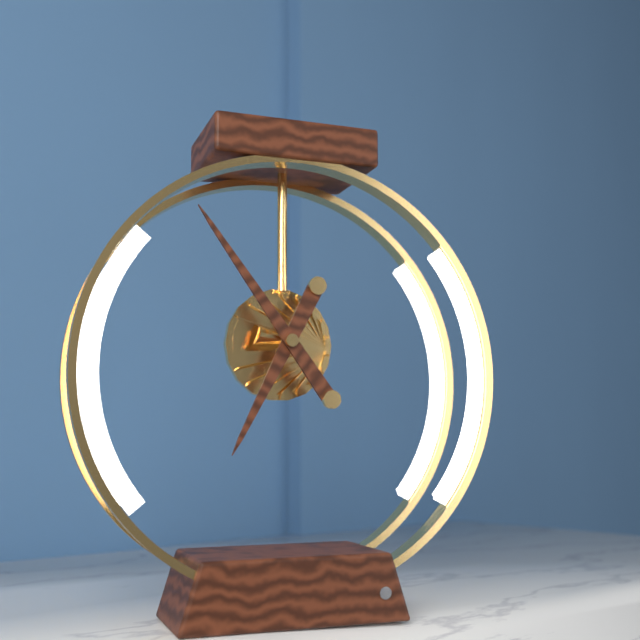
6,54
